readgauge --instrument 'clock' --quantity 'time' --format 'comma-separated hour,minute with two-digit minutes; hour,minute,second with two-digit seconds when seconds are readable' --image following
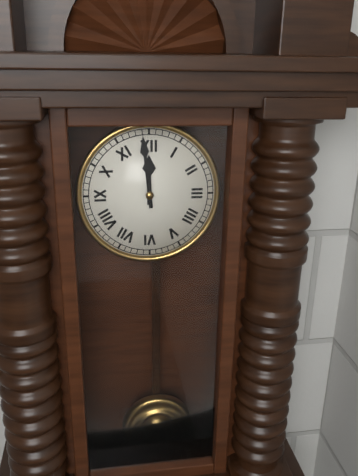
11,59
